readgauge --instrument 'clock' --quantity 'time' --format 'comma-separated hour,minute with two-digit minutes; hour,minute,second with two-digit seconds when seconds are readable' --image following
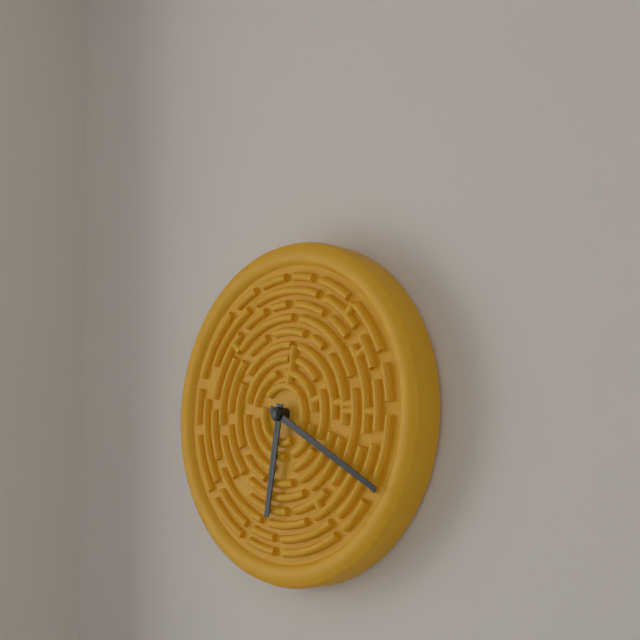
6,20
